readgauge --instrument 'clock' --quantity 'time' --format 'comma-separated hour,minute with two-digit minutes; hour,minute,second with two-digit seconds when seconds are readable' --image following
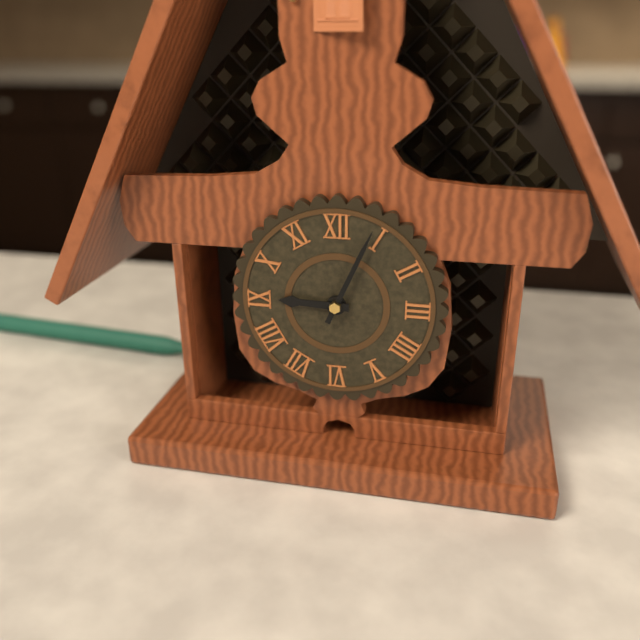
9,04
